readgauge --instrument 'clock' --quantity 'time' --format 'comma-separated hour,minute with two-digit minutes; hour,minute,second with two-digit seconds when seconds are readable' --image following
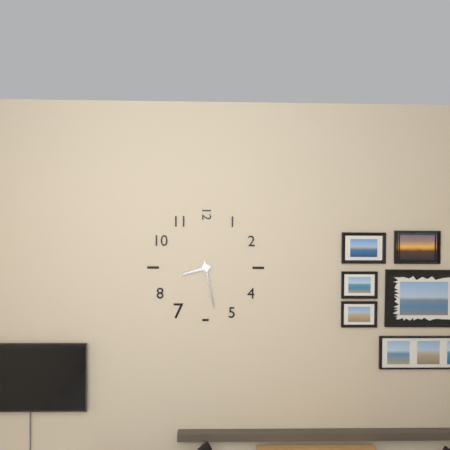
8,28
